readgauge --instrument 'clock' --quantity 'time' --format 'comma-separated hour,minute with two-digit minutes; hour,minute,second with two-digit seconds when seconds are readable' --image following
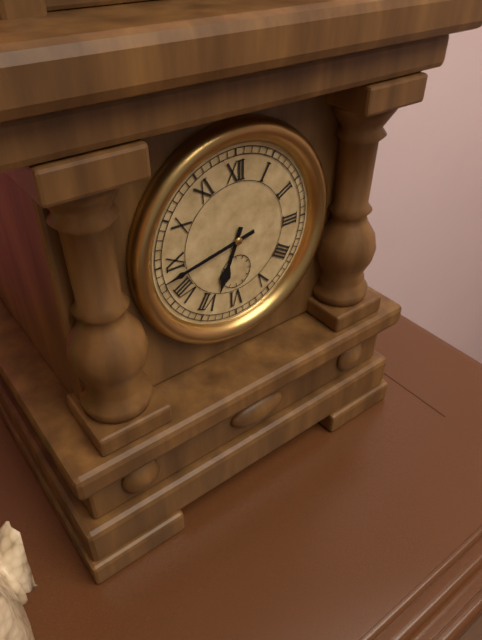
6,43
